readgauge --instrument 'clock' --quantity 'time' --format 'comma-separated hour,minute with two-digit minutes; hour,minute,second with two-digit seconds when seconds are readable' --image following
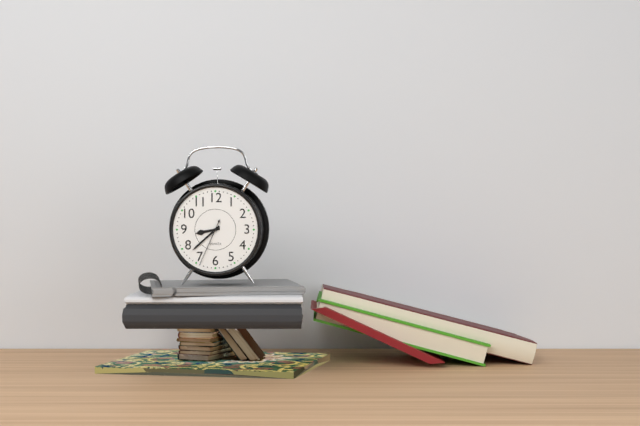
8,38
